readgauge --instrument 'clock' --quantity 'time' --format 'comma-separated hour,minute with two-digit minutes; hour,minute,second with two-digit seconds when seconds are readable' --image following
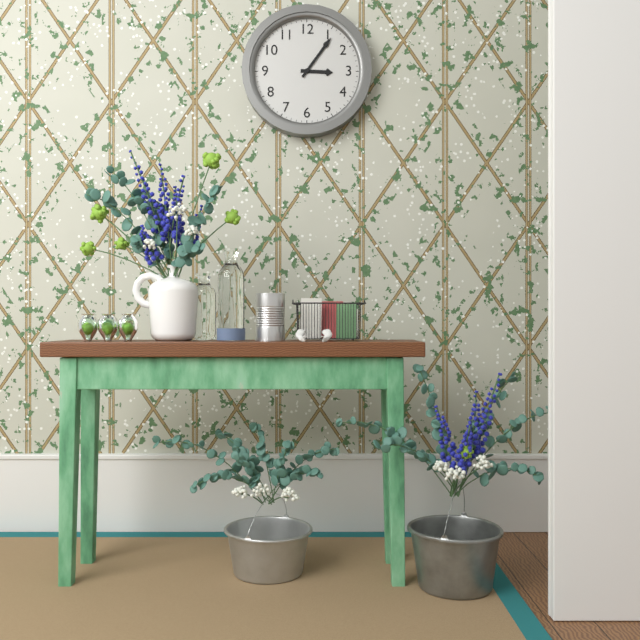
3,06
